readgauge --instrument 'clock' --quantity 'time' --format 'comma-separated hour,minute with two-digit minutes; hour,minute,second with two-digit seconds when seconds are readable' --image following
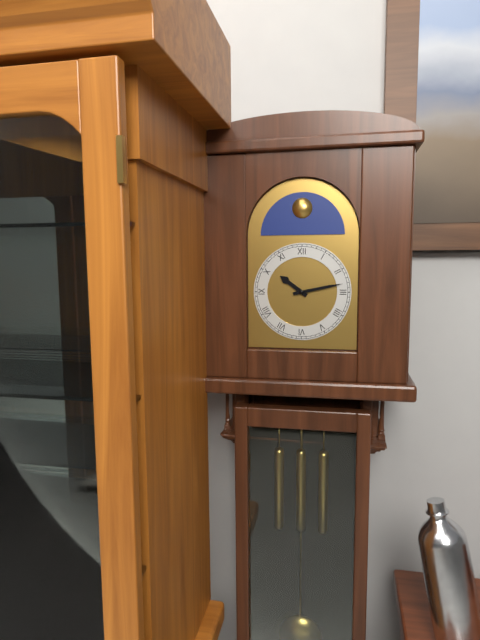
10,13
